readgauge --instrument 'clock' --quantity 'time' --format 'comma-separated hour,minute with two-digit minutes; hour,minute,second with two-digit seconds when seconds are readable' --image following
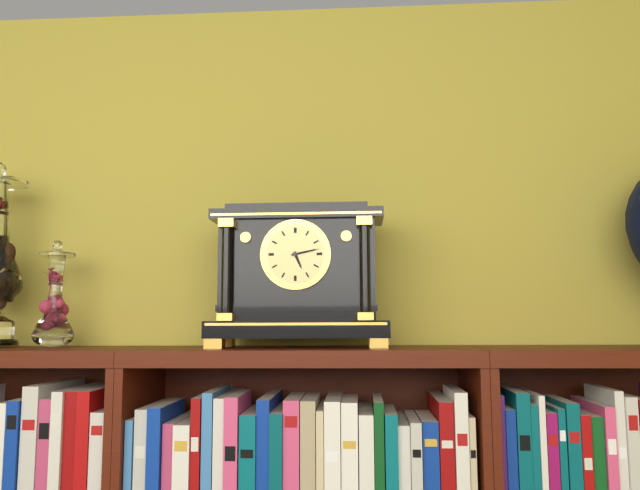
5,13
